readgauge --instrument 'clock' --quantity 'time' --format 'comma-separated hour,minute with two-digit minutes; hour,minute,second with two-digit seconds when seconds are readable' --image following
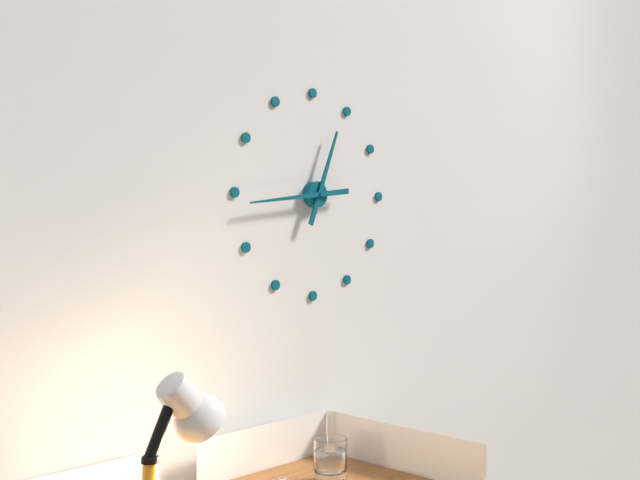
12,44
